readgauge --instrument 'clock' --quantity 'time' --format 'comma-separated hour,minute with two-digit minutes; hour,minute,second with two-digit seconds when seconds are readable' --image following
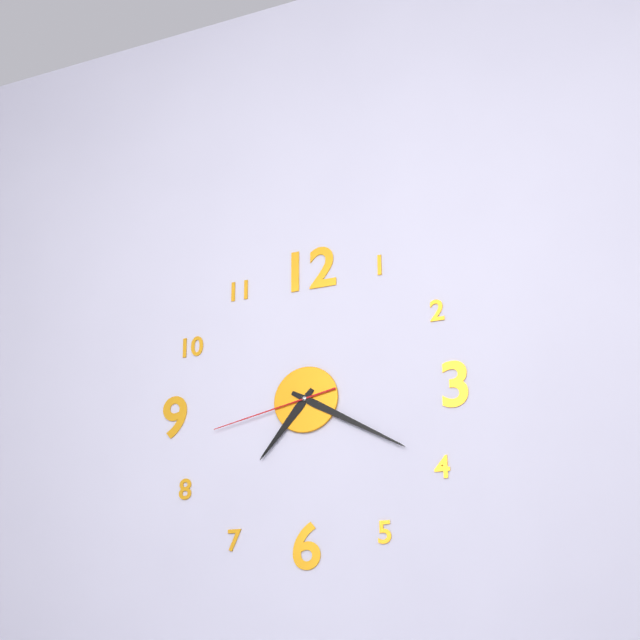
7,20,43
